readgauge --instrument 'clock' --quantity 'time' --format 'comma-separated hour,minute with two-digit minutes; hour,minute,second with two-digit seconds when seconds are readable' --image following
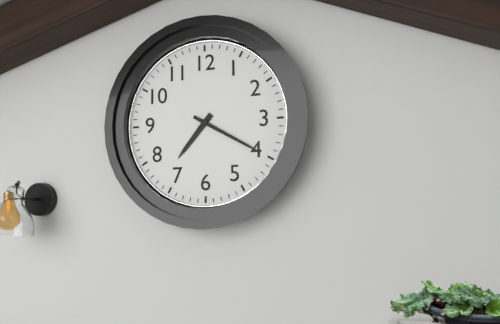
7,20
